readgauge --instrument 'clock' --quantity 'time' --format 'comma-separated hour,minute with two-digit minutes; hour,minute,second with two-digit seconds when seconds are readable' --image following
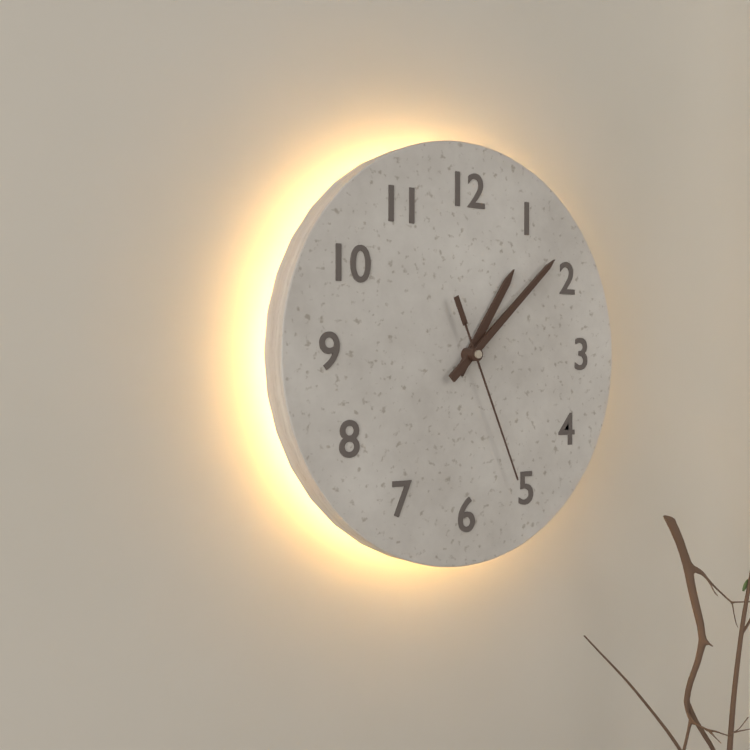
1,08,26
